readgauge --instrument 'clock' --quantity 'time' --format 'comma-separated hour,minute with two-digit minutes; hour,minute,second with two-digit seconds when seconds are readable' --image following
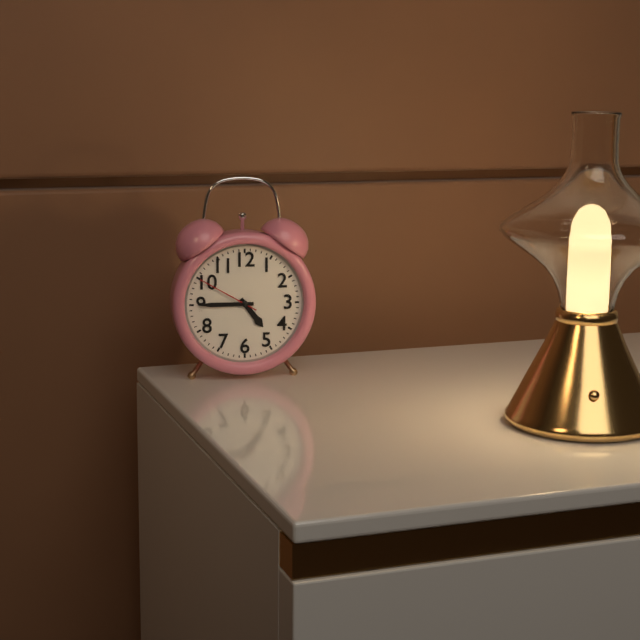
4,45,50
